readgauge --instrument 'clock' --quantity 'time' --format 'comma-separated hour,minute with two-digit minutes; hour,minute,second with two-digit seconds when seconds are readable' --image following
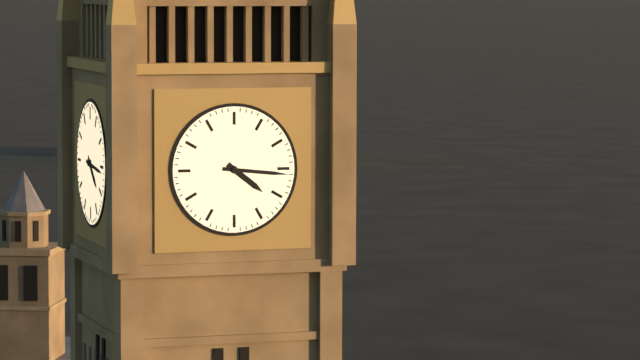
4,16
